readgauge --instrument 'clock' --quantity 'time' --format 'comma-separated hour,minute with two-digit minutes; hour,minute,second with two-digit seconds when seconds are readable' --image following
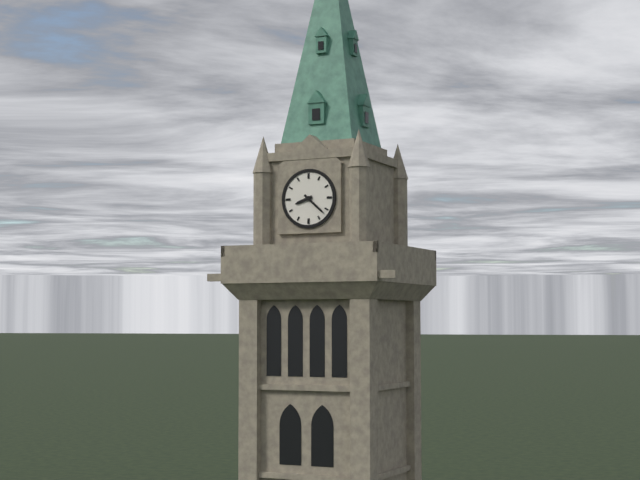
8,22
